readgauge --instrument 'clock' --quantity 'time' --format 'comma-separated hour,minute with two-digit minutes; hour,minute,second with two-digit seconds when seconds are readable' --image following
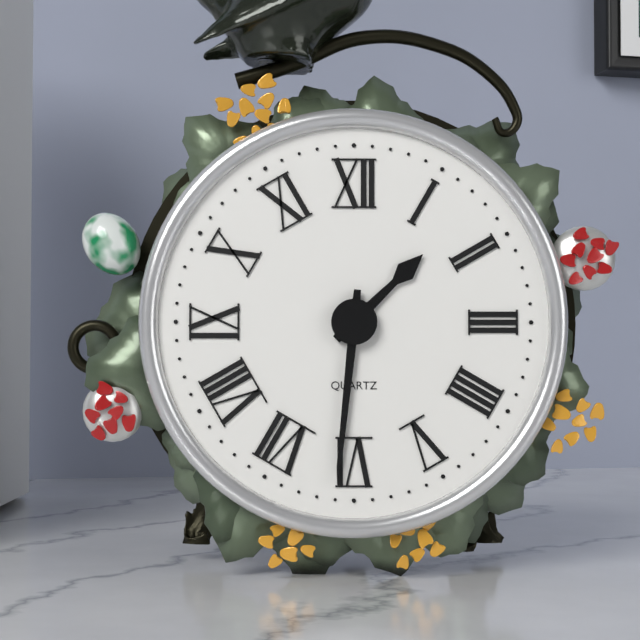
1,31
